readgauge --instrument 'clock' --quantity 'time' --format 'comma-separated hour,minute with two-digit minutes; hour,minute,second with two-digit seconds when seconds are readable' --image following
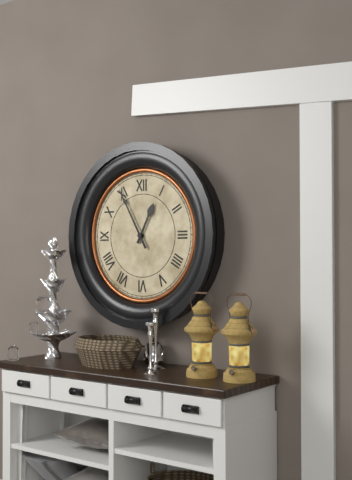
12,55
